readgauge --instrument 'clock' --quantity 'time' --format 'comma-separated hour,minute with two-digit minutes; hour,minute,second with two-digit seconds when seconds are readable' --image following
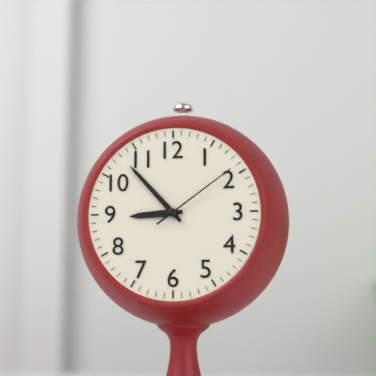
8,53,09
